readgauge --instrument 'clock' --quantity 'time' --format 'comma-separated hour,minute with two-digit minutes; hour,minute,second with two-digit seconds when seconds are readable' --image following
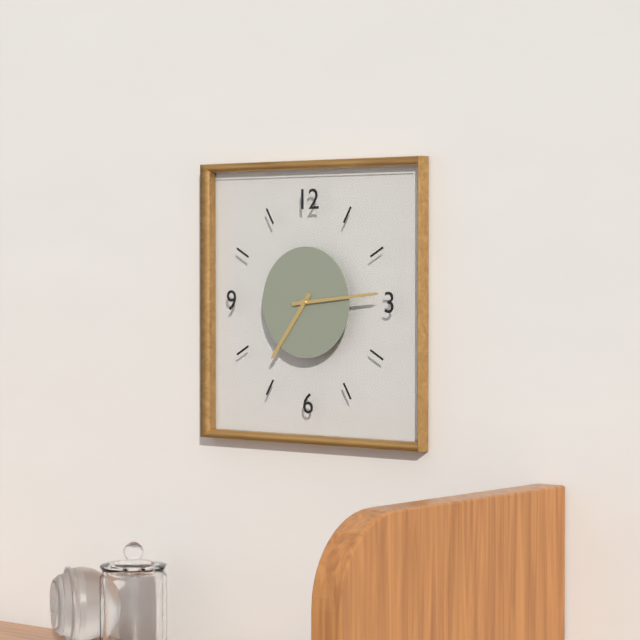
7,14
